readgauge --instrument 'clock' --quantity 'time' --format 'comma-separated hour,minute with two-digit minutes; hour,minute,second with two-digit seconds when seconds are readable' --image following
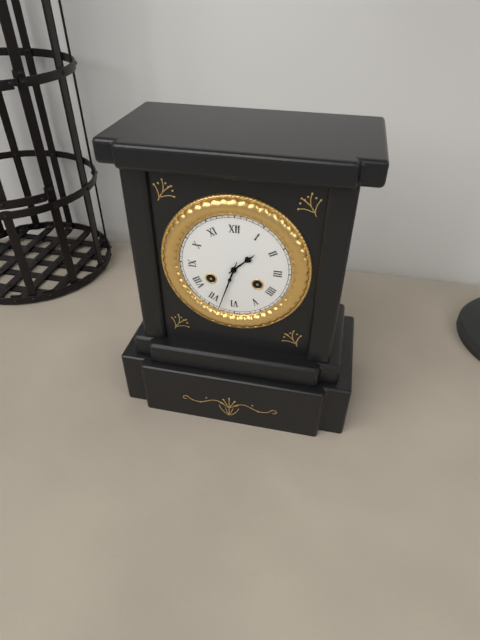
1,33
